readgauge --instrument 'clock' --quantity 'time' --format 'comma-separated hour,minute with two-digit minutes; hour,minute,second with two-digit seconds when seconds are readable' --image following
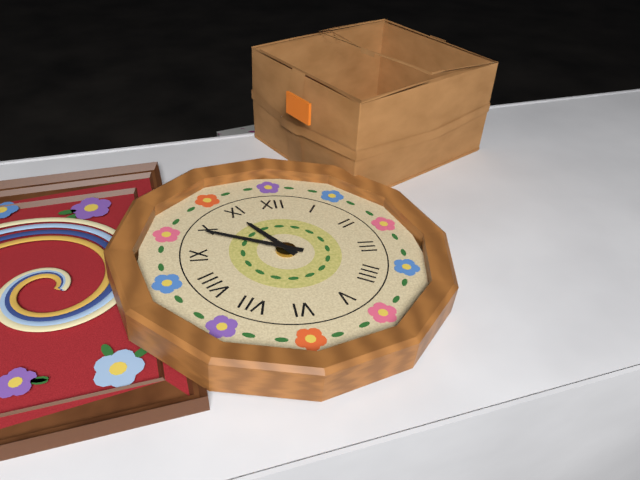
10,49
